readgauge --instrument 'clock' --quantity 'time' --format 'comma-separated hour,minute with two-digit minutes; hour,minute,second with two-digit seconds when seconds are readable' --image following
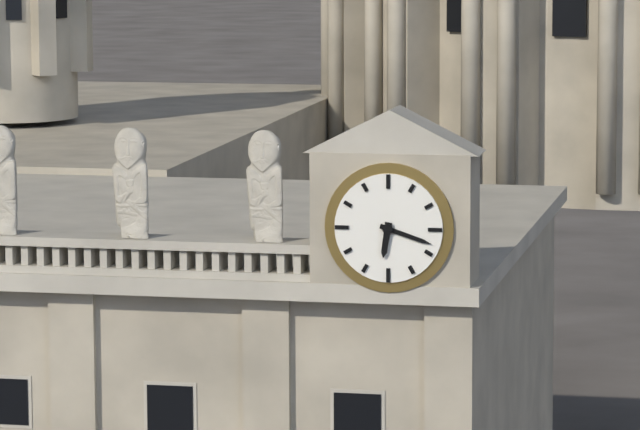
6,18
